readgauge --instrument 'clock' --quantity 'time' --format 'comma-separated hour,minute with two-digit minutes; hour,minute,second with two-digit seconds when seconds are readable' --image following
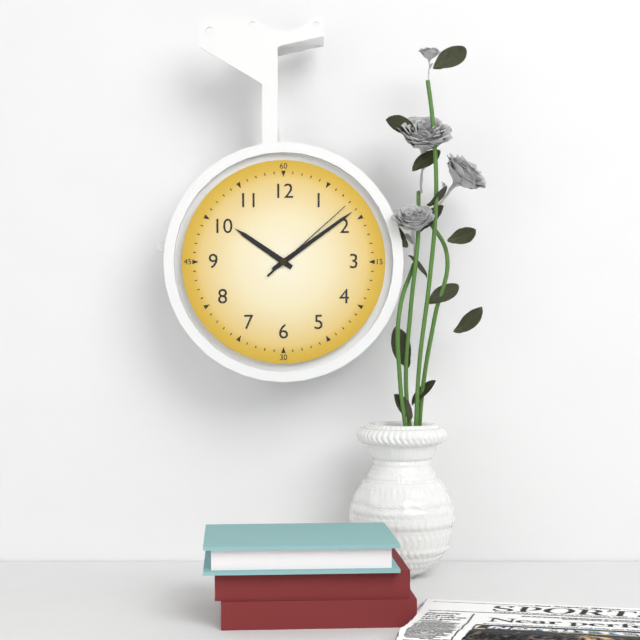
10,09,08
